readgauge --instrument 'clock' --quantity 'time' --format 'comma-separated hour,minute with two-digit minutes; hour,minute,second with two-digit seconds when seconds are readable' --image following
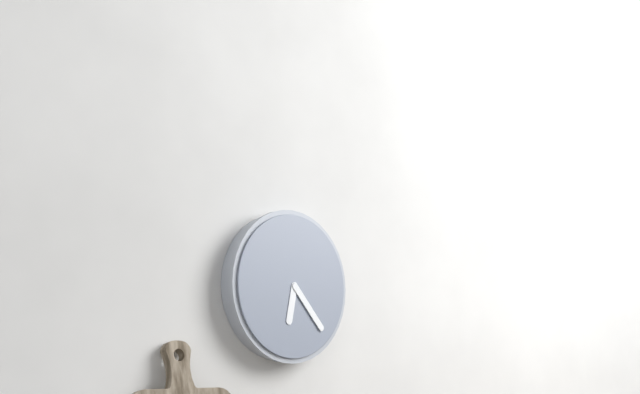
6,23
